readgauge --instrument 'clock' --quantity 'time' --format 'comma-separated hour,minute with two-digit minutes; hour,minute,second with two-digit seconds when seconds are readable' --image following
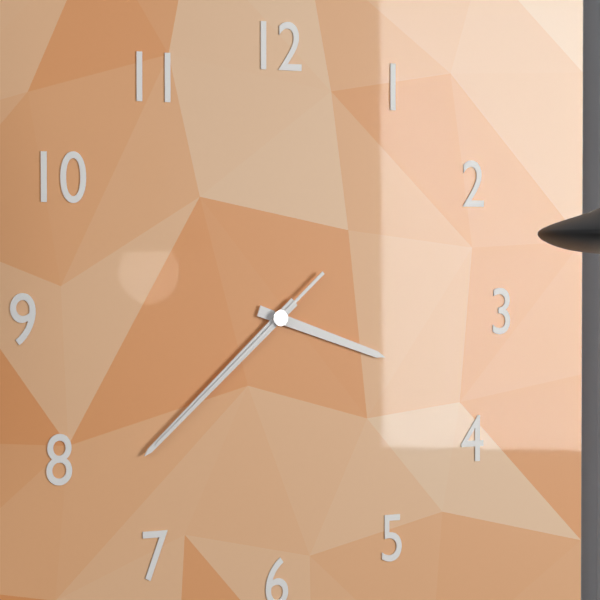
3,38,38
